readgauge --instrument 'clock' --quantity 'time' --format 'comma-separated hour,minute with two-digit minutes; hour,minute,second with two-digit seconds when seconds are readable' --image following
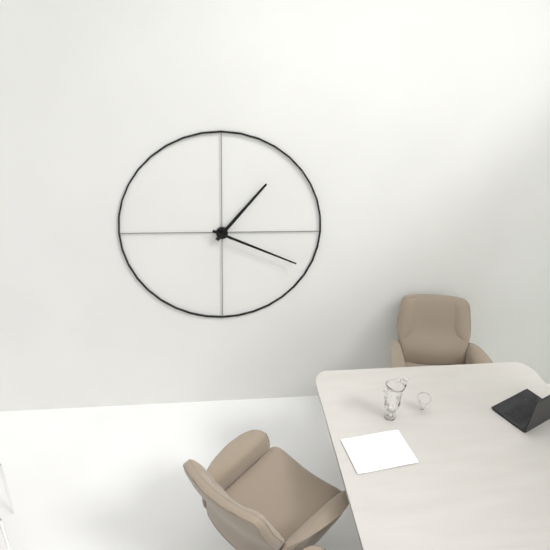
1,19
